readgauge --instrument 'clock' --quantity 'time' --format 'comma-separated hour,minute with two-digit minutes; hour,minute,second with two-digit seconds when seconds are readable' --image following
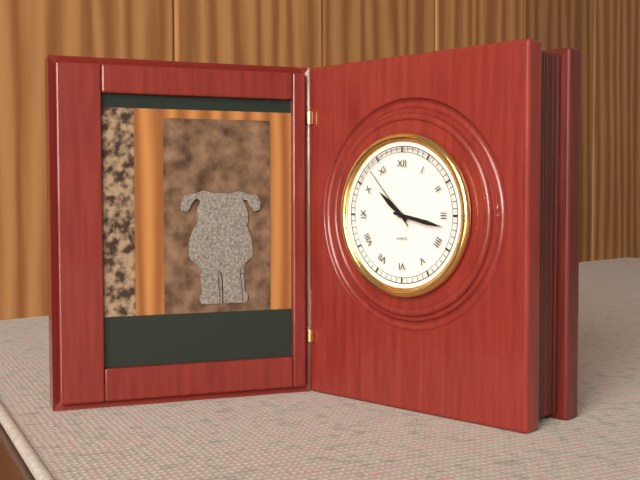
10,17,53
